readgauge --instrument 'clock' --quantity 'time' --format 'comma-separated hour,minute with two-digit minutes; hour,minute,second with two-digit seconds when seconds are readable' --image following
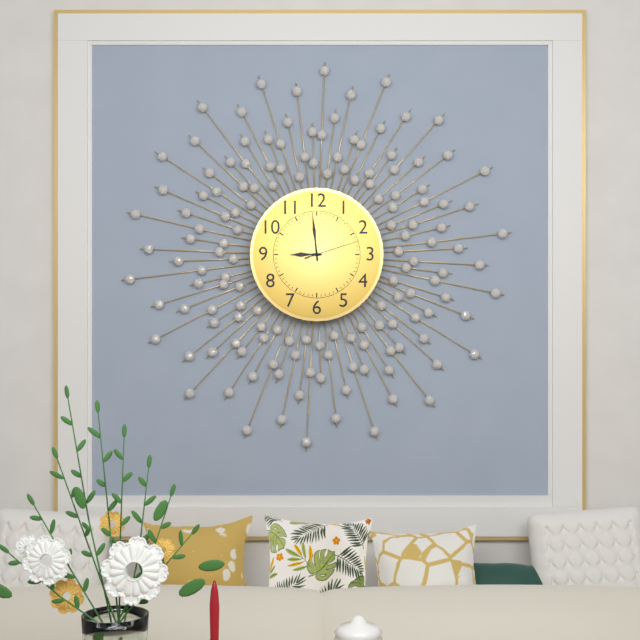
8,59,12
